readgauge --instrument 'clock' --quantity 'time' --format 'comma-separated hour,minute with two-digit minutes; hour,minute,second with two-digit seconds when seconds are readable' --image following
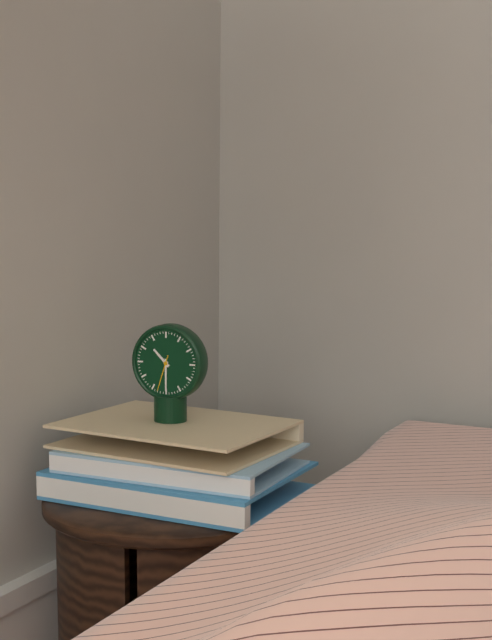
10,30
